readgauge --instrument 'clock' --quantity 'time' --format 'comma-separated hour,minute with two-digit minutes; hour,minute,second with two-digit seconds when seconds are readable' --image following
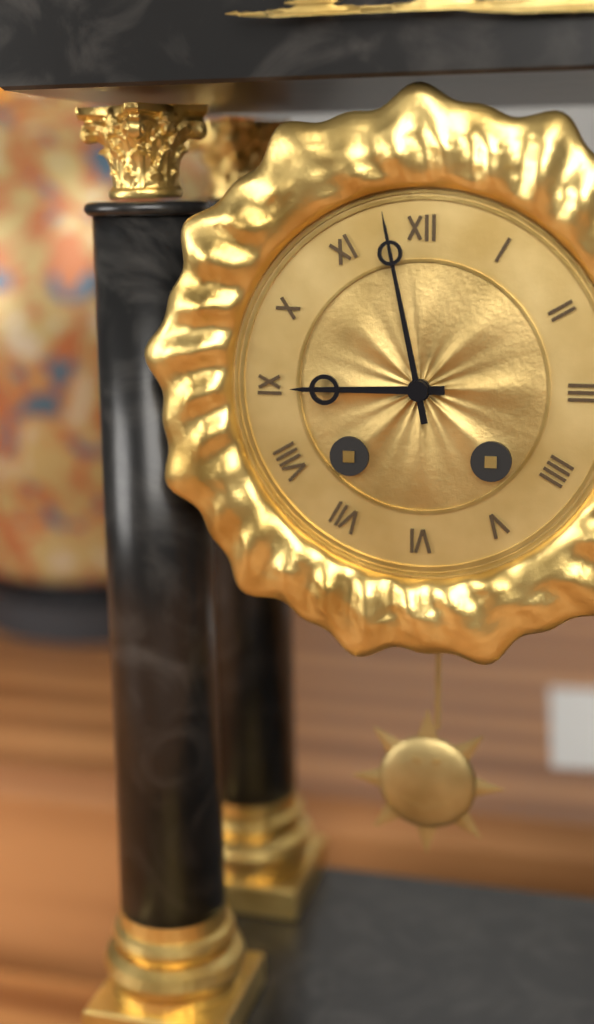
8,58
